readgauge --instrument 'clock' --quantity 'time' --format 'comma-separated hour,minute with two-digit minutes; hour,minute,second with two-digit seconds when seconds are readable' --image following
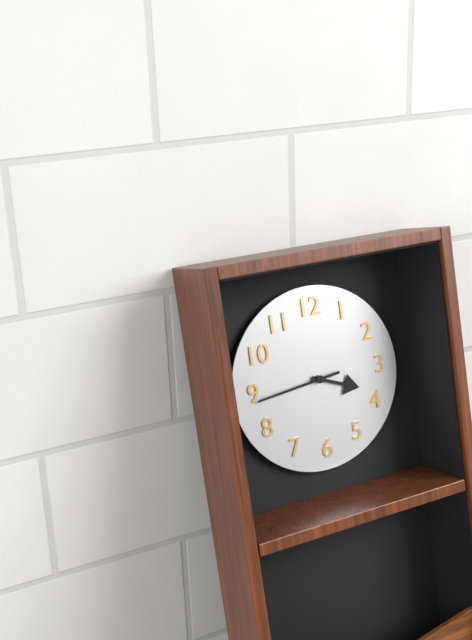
3,44
